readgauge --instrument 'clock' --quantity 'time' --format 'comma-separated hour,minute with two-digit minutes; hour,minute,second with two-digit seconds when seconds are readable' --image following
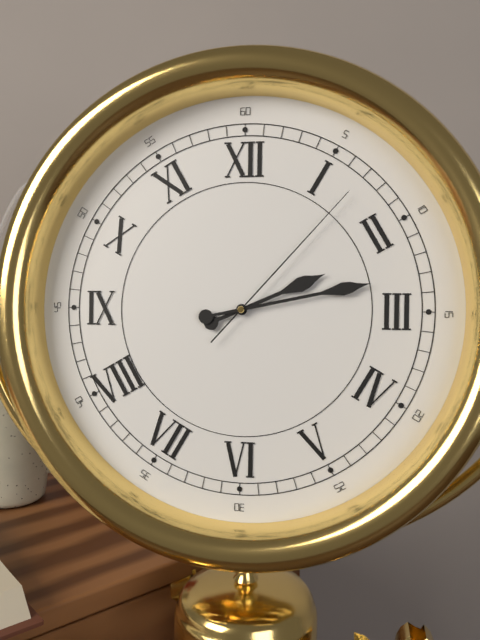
2,13,07
